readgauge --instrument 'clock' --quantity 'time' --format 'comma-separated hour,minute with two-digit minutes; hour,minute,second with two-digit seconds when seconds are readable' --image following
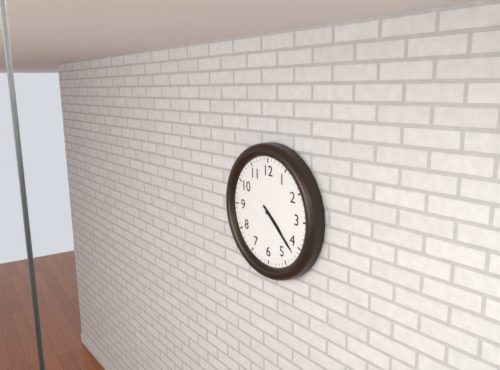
4,22
